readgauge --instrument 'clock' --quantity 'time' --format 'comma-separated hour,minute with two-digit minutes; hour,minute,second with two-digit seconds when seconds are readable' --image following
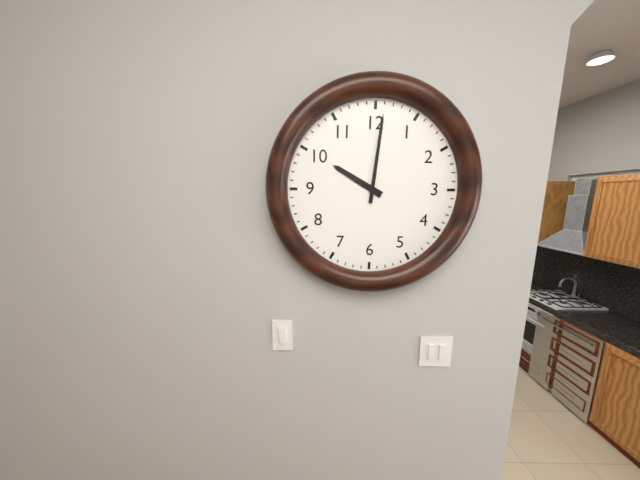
10,01
